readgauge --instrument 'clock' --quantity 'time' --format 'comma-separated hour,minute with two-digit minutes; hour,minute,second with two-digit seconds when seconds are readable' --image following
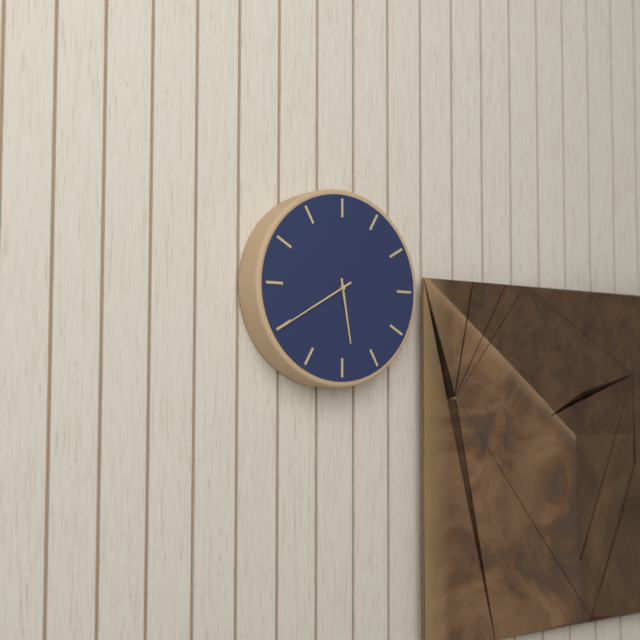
5,40
